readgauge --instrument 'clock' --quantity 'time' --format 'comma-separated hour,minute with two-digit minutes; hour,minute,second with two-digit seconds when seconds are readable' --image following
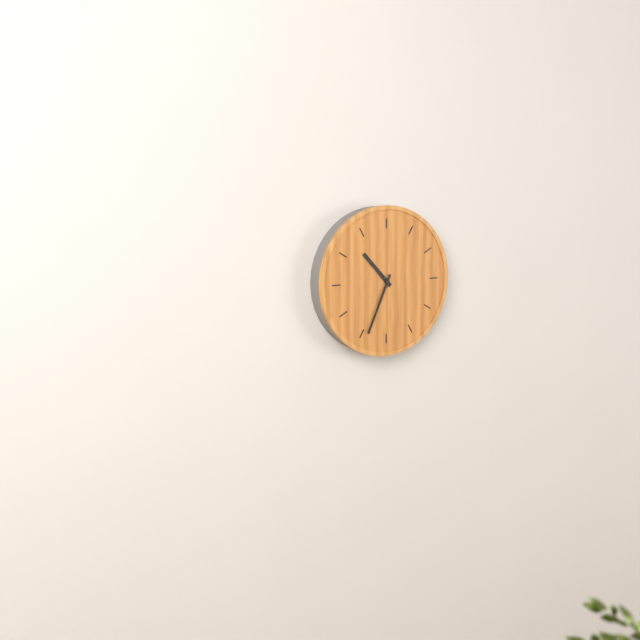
10,34
